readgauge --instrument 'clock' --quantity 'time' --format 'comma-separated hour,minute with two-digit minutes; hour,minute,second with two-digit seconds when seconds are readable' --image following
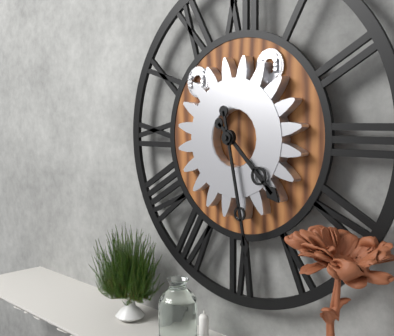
4,28
